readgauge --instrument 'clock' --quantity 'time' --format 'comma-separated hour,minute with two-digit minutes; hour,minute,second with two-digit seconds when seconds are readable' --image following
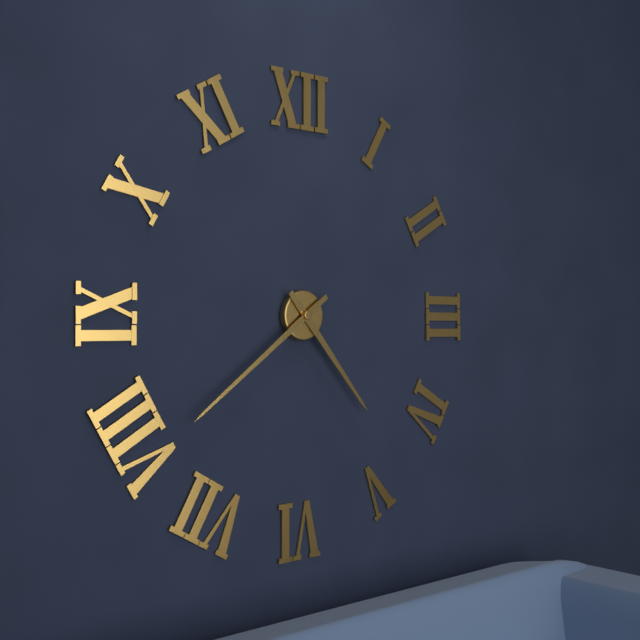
4,39
